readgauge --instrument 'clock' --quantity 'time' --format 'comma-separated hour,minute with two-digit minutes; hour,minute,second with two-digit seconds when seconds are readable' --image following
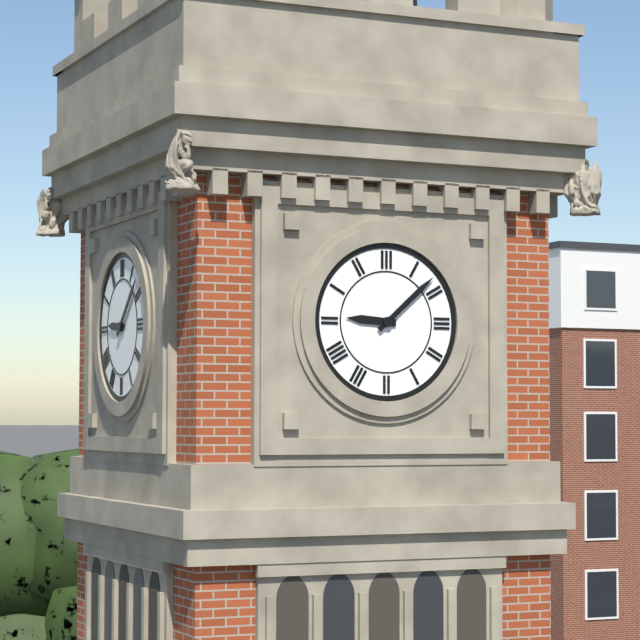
9,08
